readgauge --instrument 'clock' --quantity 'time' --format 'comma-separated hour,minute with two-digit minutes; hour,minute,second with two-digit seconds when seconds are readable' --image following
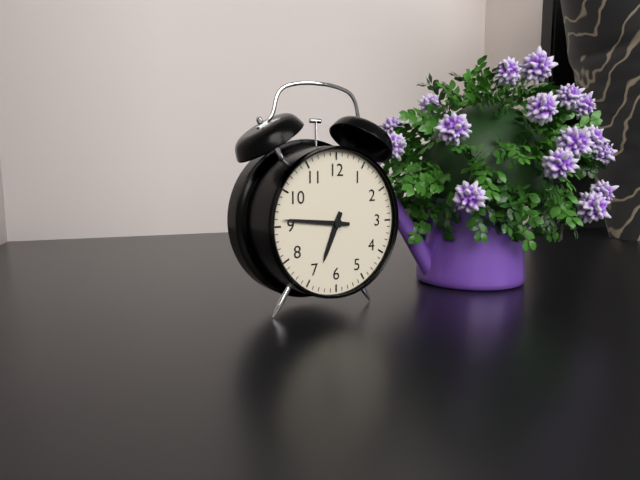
6,46
